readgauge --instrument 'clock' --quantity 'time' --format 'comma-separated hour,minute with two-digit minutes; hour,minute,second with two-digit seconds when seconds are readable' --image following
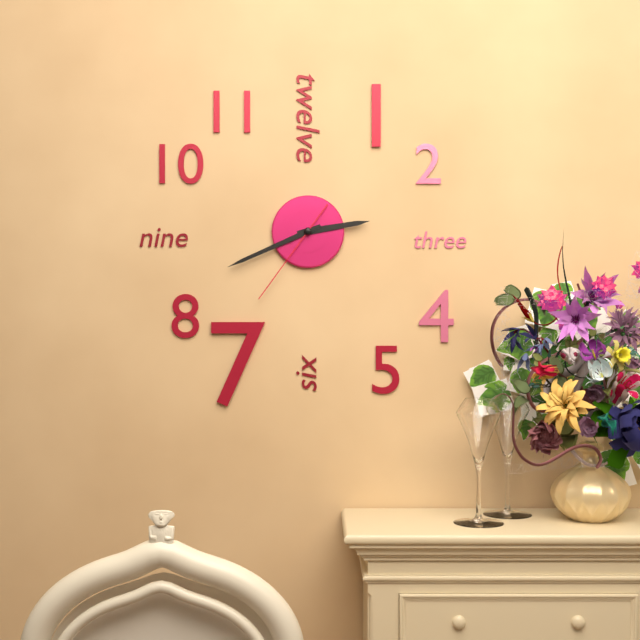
2,41,36
